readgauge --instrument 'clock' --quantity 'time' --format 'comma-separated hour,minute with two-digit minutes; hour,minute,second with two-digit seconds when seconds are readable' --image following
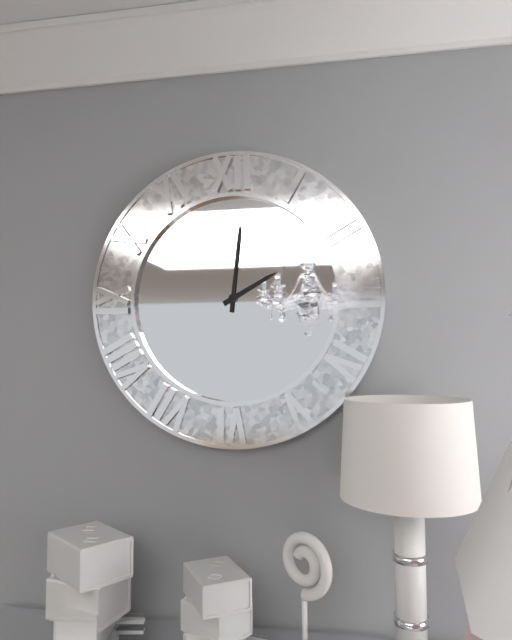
2,01
